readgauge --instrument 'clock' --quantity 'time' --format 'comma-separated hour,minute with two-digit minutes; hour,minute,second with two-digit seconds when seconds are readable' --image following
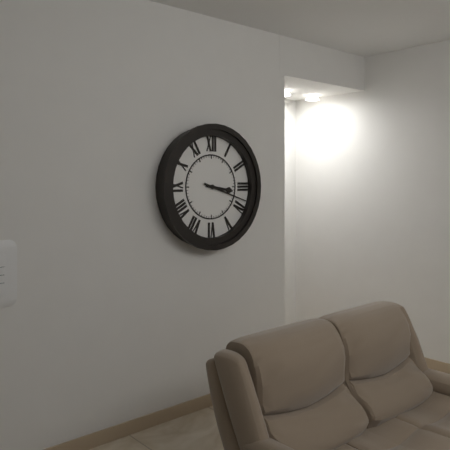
3,18
